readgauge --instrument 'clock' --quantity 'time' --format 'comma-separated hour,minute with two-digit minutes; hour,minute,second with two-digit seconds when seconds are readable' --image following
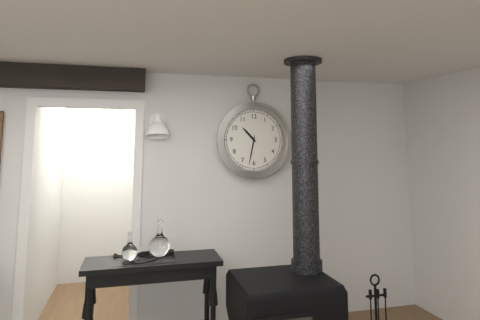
10,32
